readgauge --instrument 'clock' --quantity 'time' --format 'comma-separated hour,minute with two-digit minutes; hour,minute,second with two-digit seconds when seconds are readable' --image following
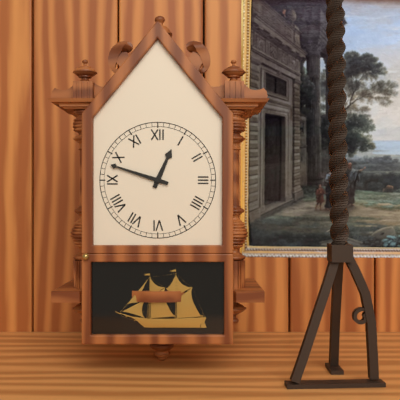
12,48
